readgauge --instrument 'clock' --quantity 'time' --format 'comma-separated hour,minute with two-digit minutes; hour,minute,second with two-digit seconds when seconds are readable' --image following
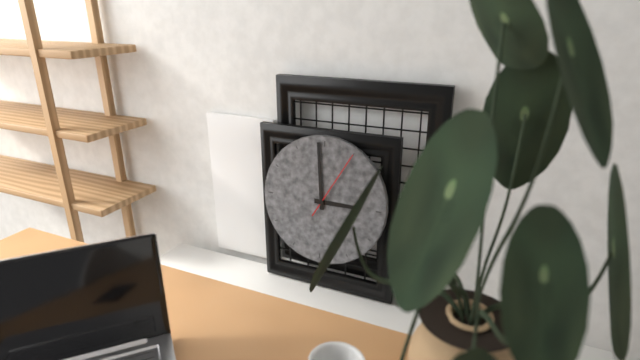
2,59,05
